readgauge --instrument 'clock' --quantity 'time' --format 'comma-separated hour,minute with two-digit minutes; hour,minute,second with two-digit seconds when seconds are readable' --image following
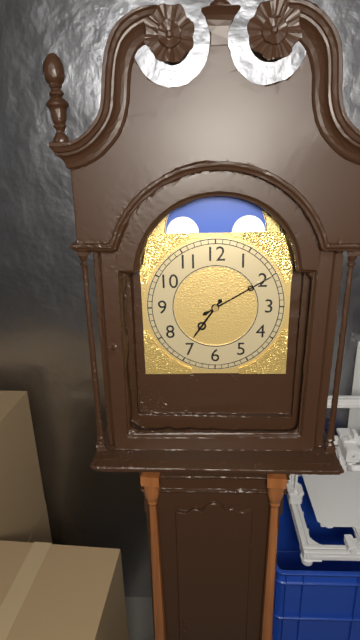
7,10
